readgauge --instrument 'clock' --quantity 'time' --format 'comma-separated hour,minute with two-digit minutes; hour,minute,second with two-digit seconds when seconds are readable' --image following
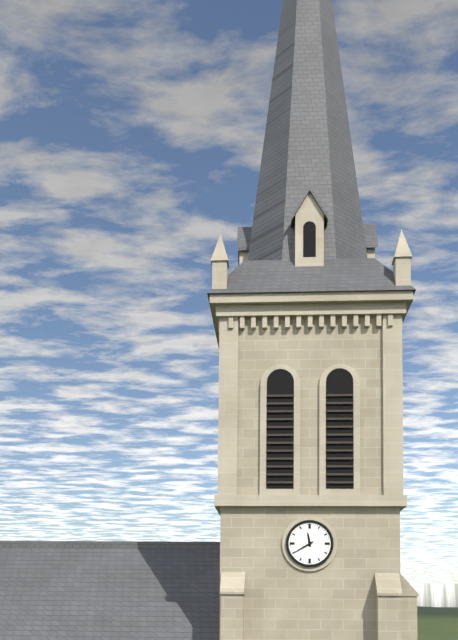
11,40
